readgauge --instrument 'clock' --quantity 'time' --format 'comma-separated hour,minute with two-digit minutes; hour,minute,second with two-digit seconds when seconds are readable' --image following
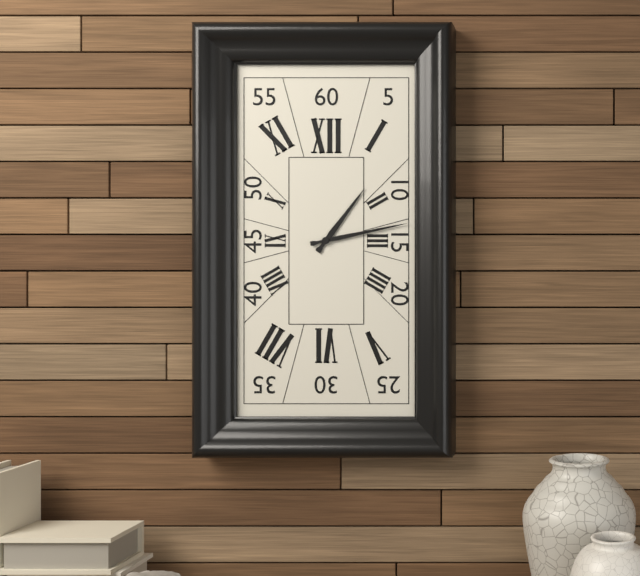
1,13
